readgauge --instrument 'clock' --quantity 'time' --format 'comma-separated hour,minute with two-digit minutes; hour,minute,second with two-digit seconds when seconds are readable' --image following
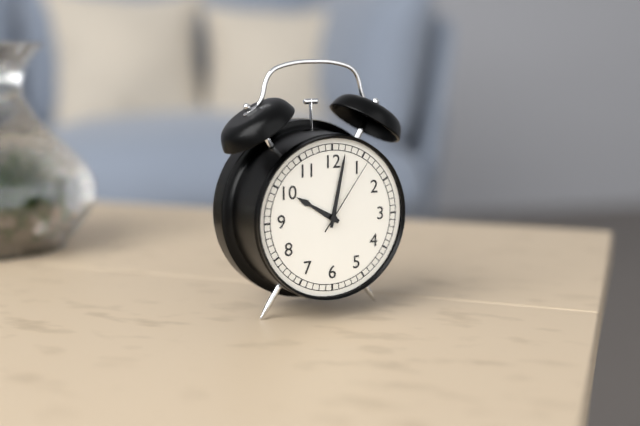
10,02,06
